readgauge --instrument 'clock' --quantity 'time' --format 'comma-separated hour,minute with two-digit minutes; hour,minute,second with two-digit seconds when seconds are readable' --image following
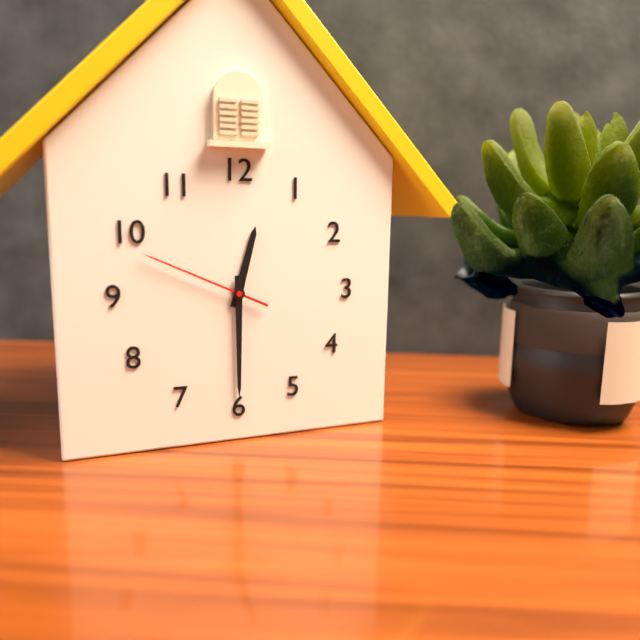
12,30,49
